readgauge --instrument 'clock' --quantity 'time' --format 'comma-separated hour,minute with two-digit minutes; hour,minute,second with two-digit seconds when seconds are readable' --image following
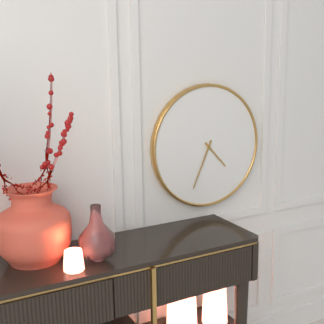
4,34
